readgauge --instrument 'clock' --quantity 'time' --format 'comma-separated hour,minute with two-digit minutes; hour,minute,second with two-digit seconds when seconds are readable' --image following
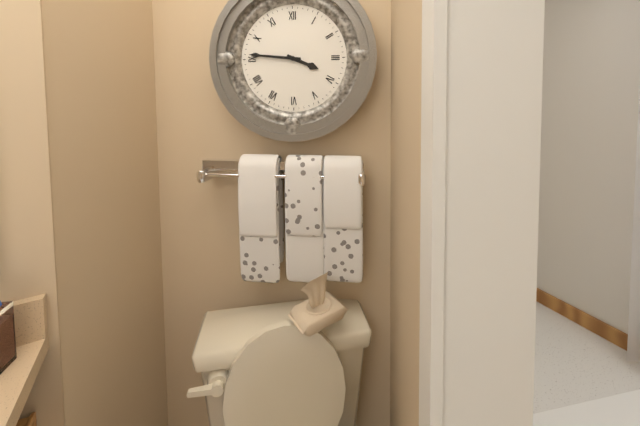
3,46
